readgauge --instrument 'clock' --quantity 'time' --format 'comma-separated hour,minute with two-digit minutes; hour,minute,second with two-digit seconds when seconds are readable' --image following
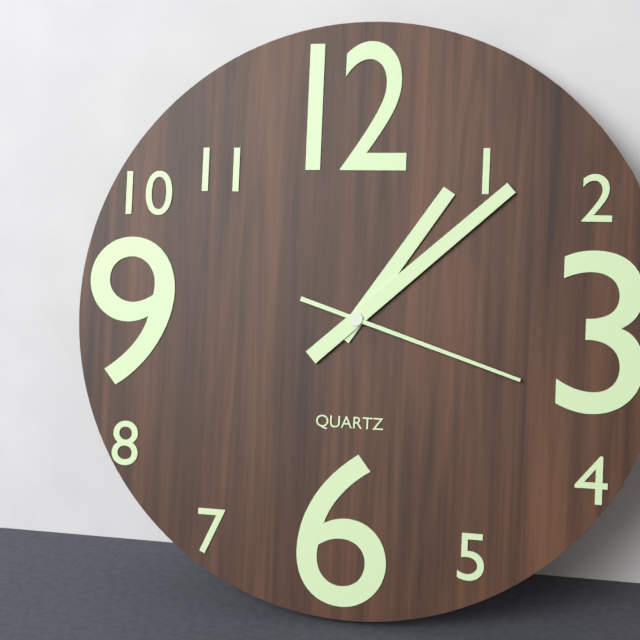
1,08,18
